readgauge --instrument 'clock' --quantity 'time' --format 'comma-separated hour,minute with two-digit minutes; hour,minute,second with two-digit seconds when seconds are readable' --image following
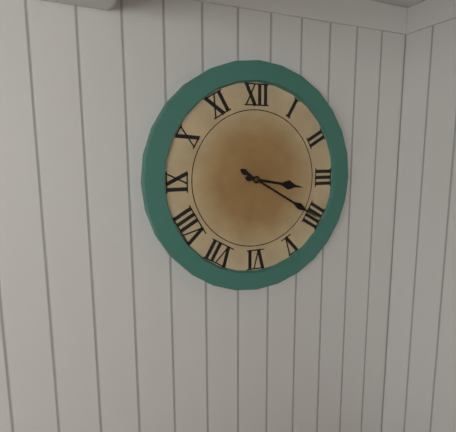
3,20
